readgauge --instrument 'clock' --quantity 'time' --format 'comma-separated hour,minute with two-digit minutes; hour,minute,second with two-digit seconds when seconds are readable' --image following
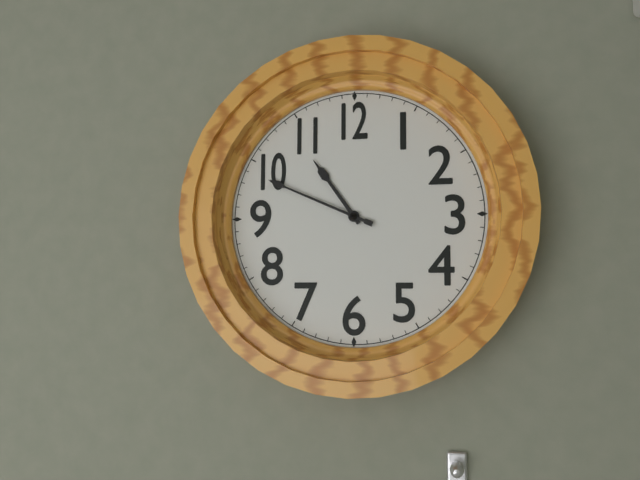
10,49
